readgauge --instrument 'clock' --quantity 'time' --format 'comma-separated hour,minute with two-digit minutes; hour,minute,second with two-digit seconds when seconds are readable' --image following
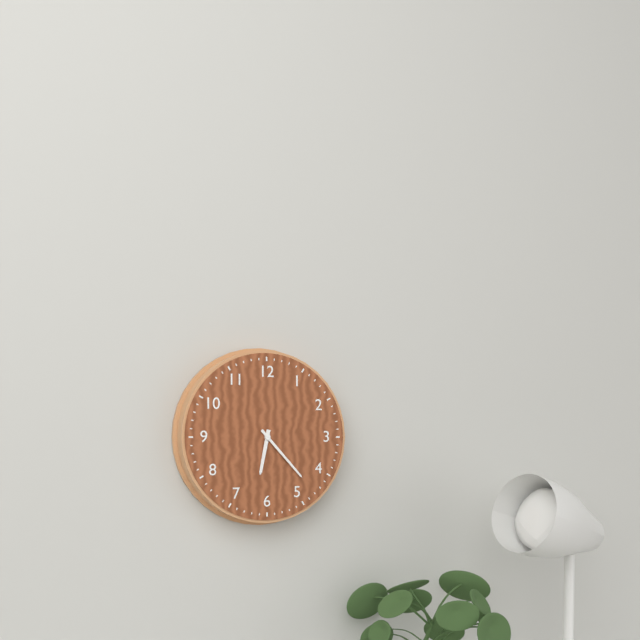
6,23
